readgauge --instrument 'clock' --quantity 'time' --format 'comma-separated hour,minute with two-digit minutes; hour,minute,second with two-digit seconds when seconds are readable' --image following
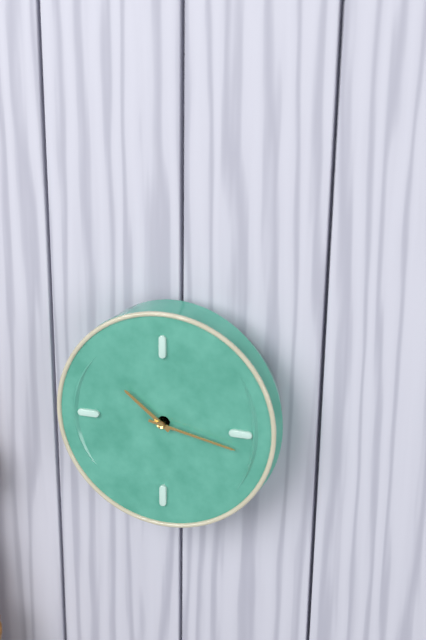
10,17
